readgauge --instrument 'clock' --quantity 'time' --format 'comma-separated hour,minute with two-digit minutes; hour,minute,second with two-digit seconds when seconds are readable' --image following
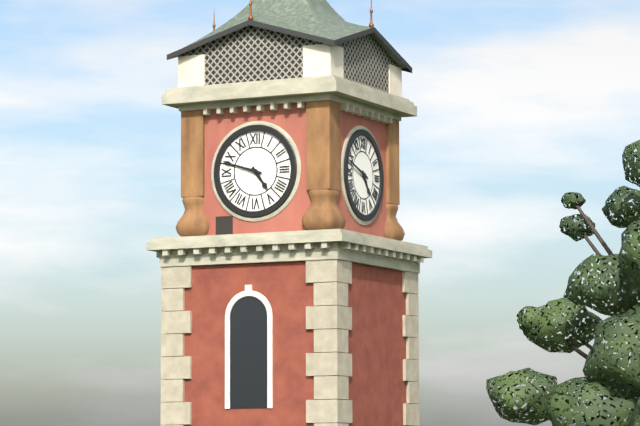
4,48
